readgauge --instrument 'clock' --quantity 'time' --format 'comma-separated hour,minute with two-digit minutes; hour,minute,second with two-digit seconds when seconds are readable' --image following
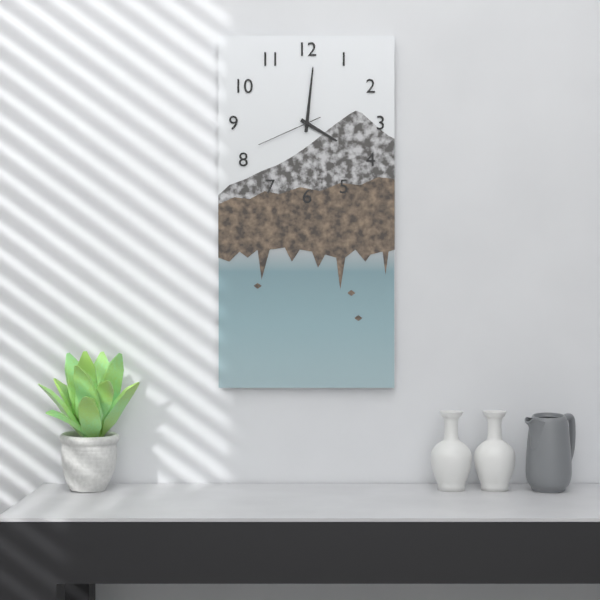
4,01,41
